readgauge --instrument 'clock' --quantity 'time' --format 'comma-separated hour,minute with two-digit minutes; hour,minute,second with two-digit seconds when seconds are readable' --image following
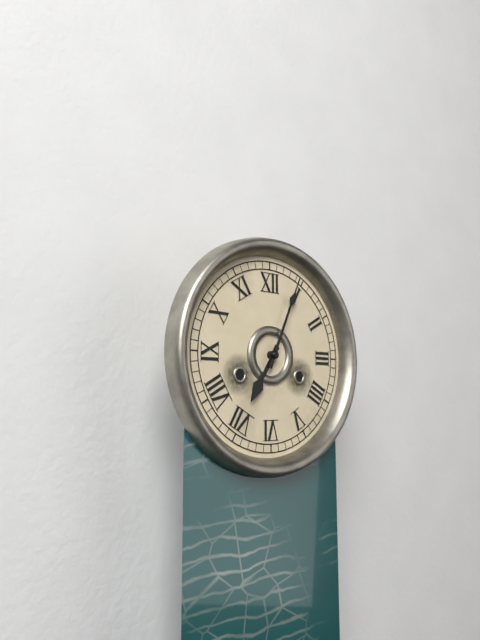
7,04
